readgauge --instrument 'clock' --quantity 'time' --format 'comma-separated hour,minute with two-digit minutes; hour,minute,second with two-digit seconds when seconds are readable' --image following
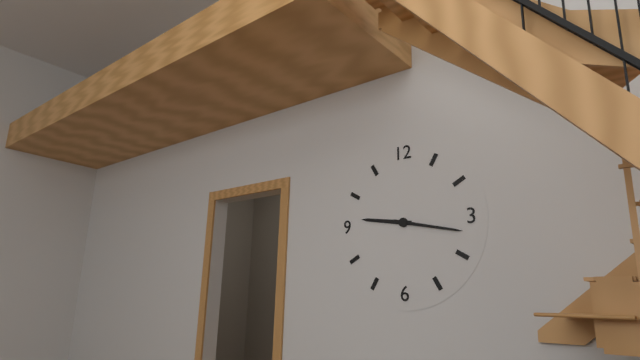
9,17
